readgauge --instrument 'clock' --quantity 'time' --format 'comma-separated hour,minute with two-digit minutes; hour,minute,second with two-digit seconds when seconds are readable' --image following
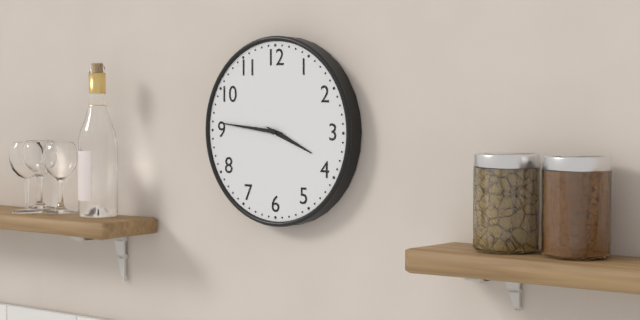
3,46
